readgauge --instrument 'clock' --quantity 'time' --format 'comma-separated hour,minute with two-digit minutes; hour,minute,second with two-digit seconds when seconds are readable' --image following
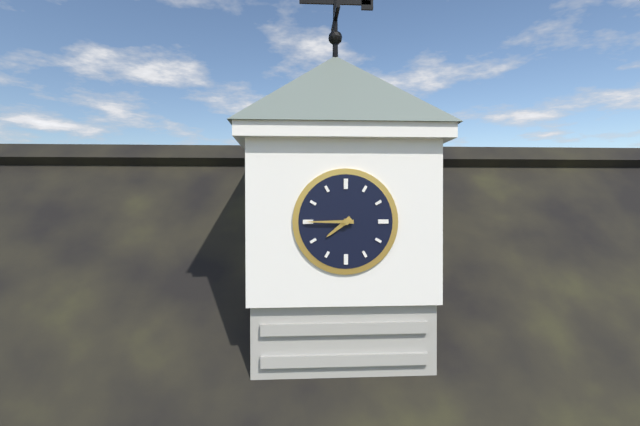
7,45
